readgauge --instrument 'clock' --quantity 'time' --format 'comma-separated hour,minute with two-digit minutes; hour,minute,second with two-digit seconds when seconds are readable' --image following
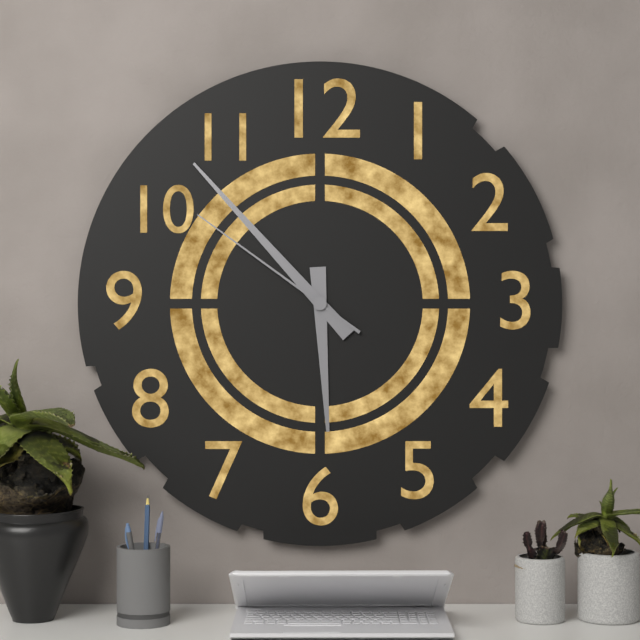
5,53,51
